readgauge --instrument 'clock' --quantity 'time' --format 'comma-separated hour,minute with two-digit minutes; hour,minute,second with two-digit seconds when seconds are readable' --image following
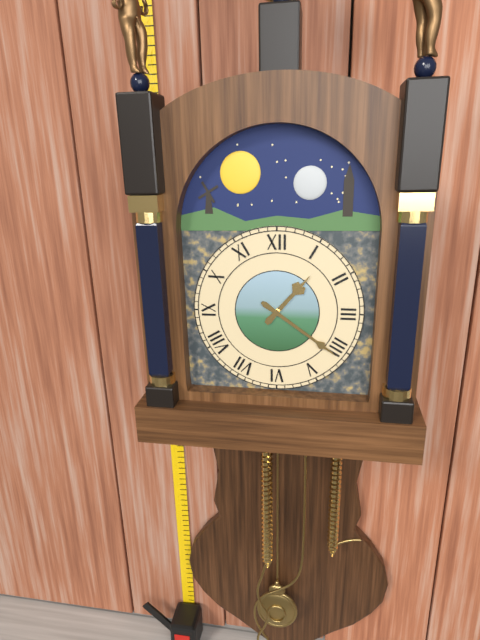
1,21
